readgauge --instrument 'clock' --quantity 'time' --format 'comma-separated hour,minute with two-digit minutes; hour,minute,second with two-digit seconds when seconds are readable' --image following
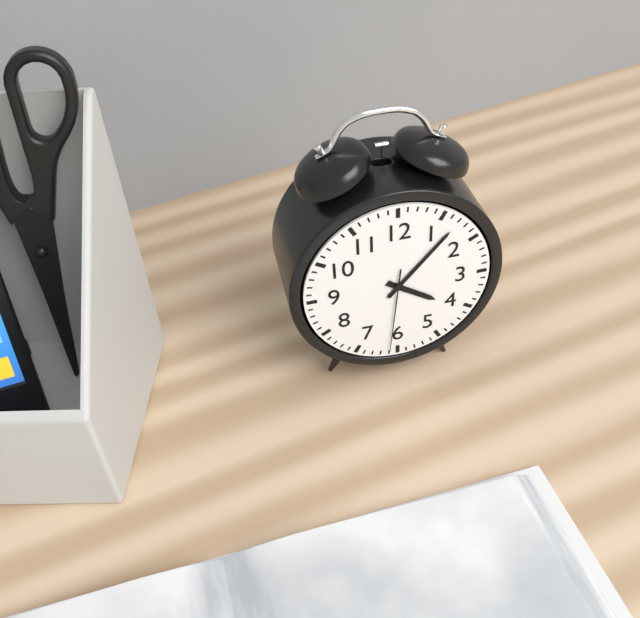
4,07,31
